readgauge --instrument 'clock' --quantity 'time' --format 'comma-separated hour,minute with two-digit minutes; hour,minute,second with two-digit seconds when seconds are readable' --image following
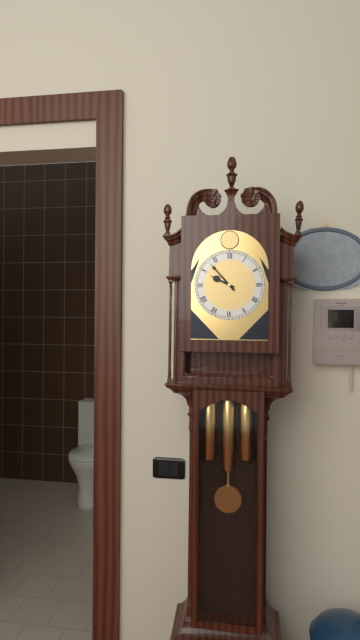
9,53
